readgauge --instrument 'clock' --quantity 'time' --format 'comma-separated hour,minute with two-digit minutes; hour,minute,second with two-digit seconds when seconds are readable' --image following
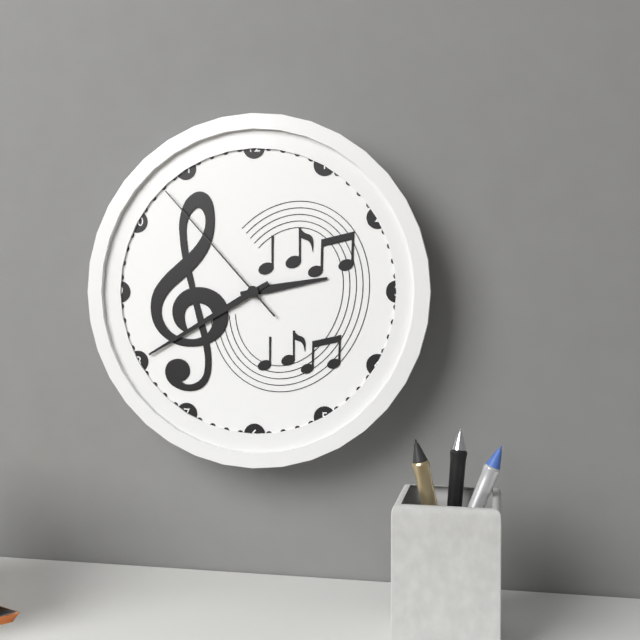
2,40,53
